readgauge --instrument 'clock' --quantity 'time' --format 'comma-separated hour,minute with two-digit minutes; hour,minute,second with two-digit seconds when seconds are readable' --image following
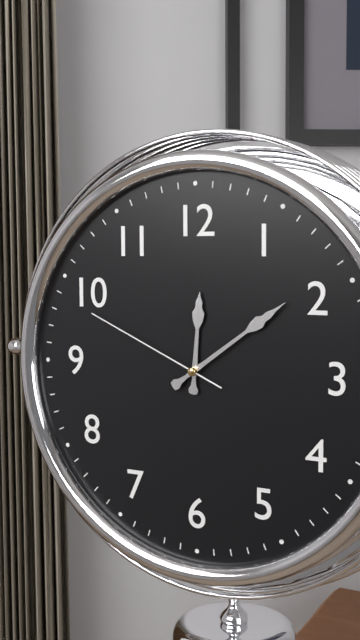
12,09,49
